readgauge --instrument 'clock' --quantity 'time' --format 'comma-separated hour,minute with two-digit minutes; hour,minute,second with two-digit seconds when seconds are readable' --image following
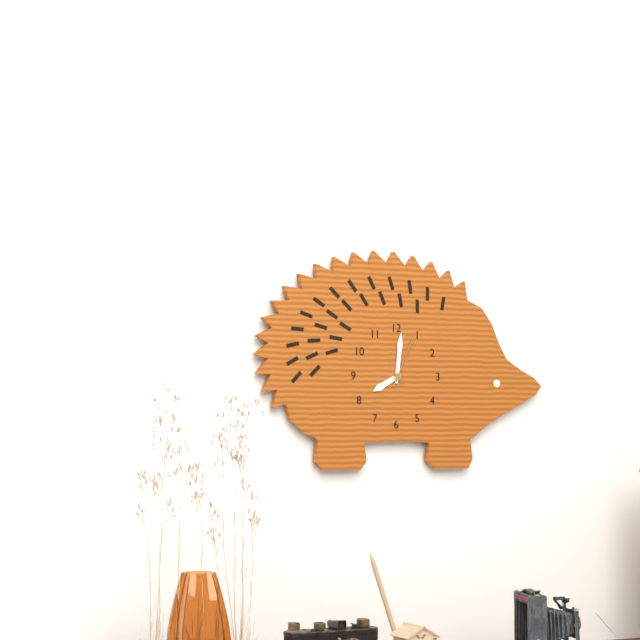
8,01,04
